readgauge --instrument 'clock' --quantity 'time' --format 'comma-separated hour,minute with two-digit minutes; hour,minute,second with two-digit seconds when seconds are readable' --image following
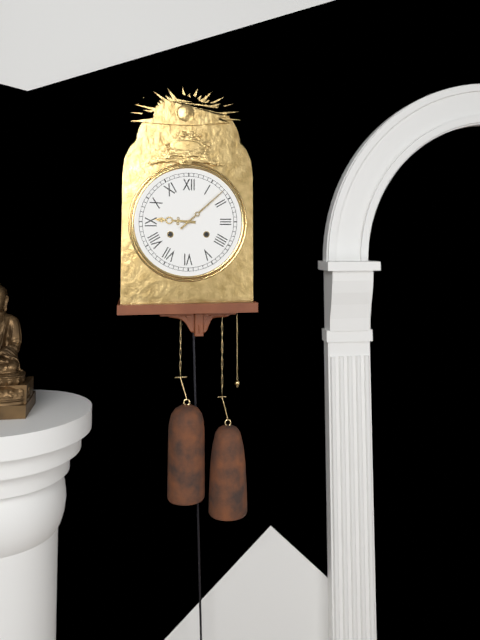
9,08
